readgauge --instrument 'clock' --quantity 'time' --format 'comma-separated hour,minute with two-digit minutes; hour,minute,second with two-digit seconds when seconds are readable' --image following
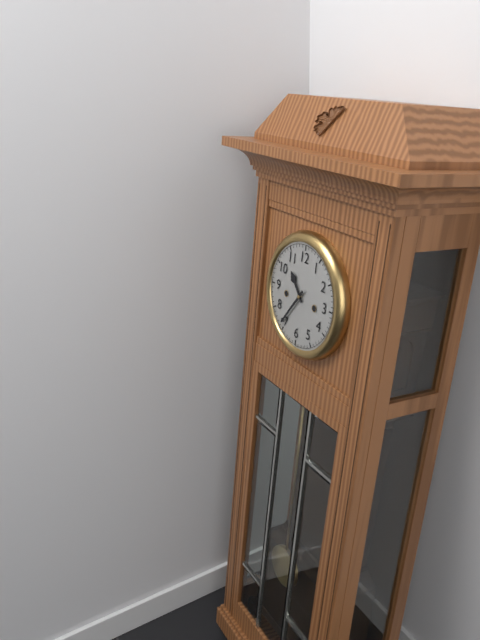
10,36
